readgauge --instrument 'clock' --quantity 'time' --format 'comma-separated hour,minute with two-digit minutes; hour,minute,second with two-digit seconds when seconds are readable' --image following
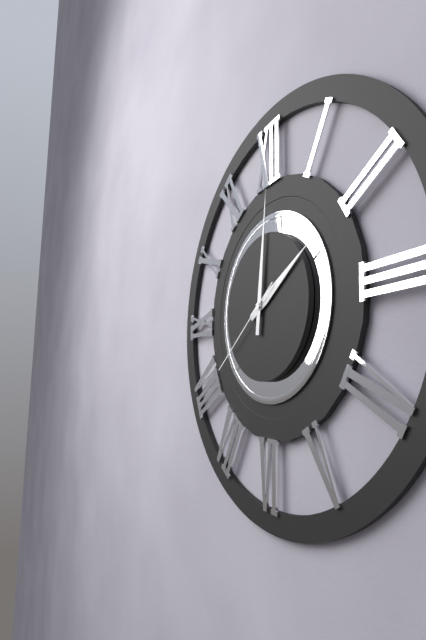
2,01,39
